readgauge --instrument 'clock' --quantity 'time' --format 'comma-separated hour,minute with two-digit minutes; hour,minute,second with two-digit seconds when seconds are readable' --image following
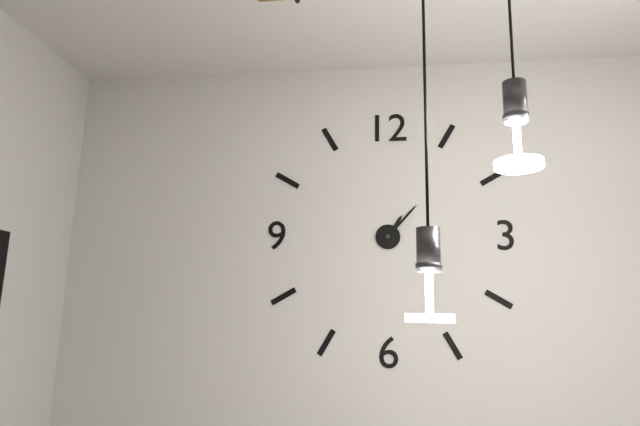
1,07
